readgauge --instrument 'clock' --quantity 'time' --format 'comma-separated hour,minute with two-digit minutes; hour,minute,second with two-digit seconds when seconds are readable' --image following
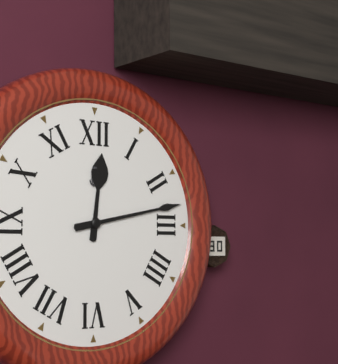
12,13
